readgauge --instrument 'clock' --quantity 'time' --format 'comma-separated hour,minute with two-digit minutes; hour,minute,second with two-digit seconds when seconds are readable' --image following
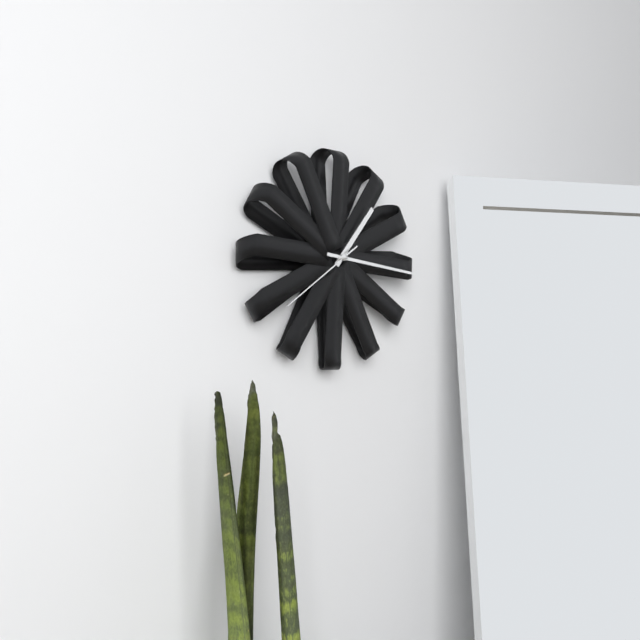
1,16,39
